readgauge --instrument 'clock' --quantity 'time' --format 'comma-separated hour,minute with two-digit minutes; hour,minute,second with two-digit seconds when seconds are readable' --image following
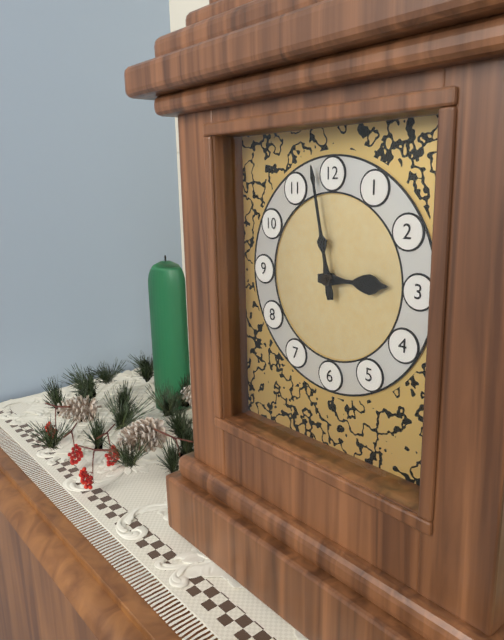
2,58
